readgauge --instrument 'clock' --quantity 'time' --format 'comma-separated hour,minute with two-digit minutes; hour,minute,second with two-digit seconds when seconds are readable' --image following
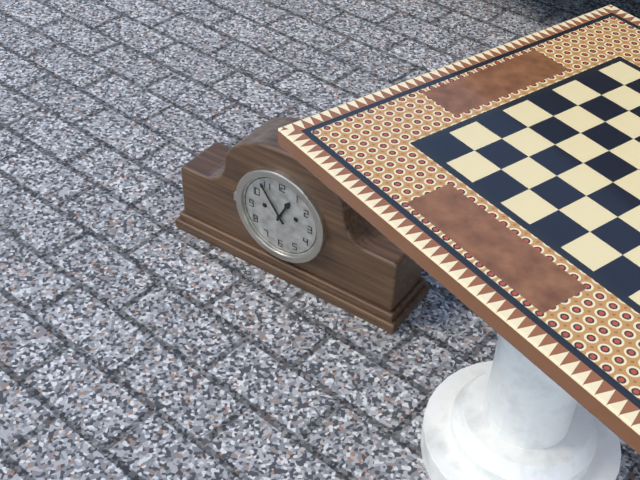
12,54
